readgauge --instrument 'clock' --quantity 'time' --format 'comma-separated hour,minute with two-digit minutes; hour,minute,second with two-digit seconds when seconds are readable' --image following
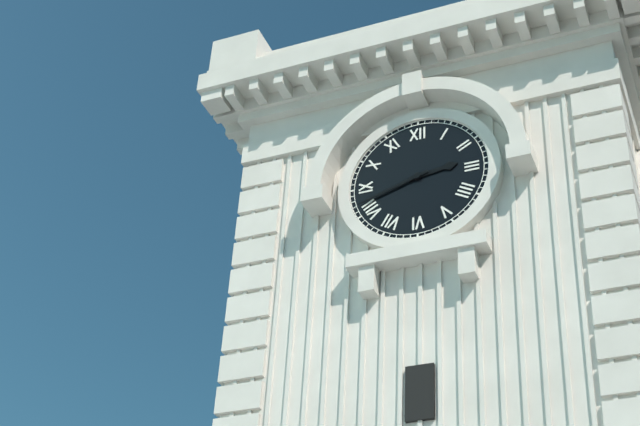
2,42
